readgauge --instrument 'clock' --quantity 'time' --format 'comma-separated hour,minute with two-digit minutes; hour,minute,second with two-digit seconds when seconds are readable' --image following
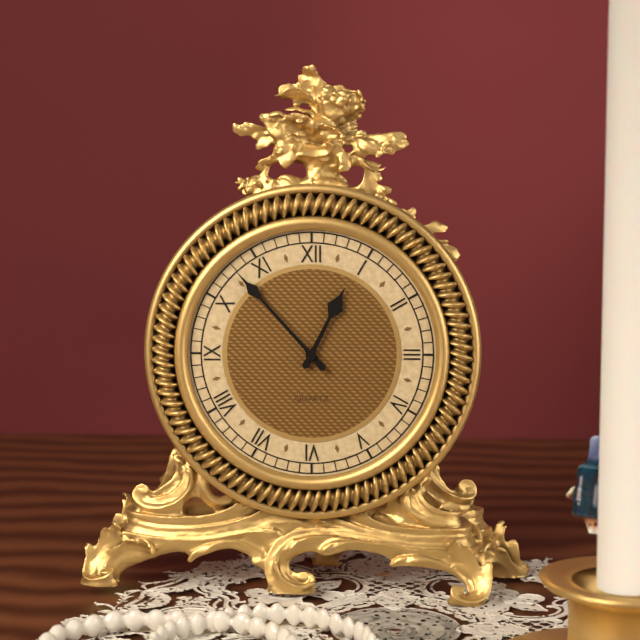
12,53
